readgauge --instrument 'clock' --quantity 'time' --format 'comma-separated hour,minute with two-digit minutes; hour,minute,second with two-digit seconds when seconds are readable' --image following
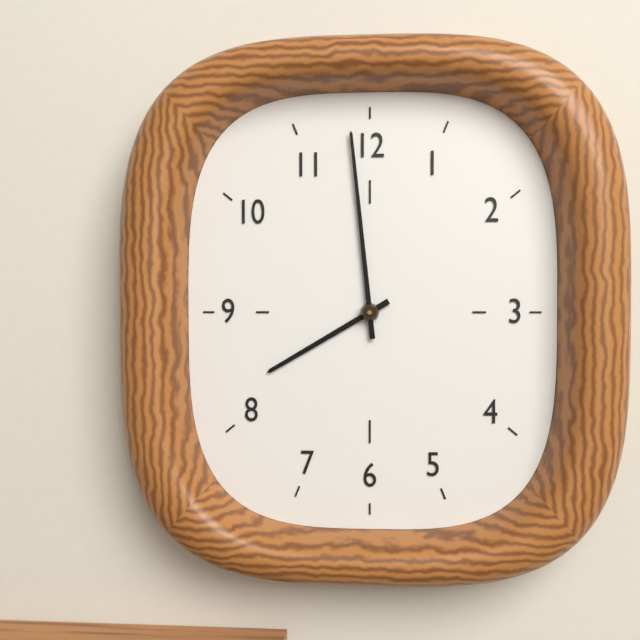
7,59
